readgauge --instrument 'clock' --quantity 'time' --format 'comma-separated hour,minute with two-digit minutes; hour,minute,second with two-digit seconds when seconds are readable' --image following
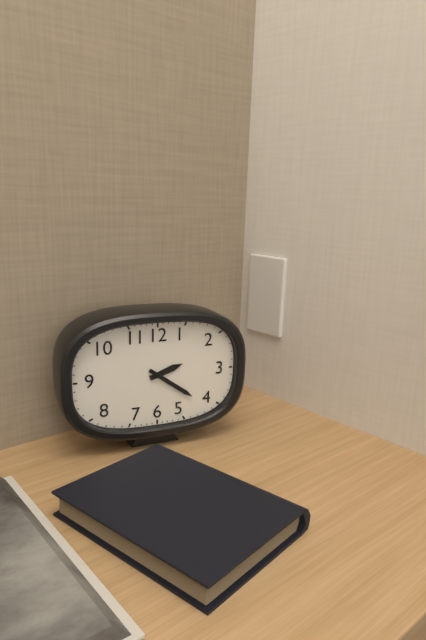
2,21
